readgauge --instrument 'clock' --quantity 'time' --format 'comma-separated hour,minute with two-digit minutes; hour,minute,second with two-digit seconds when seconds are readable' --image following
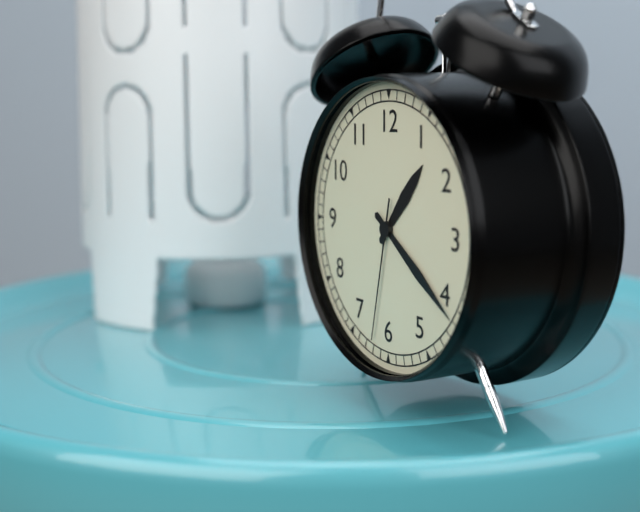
1,21,32
